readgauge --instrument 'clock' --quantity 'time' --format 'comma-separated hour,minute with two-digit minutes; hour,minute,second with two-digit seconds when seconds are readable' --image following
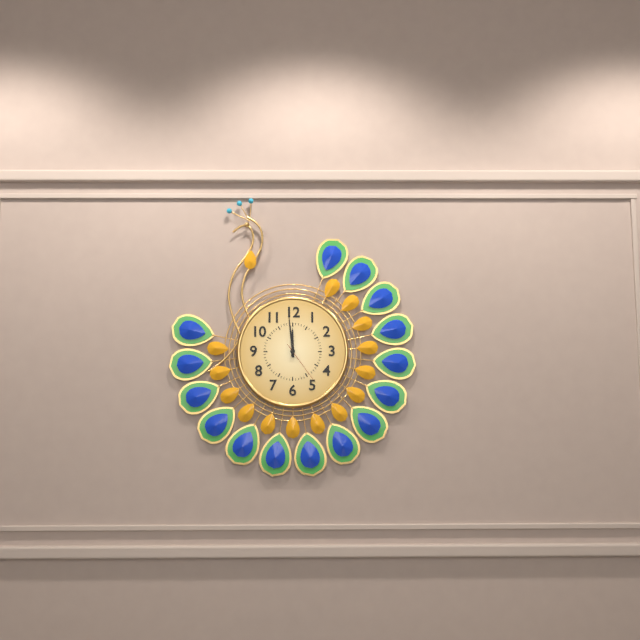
11,59
